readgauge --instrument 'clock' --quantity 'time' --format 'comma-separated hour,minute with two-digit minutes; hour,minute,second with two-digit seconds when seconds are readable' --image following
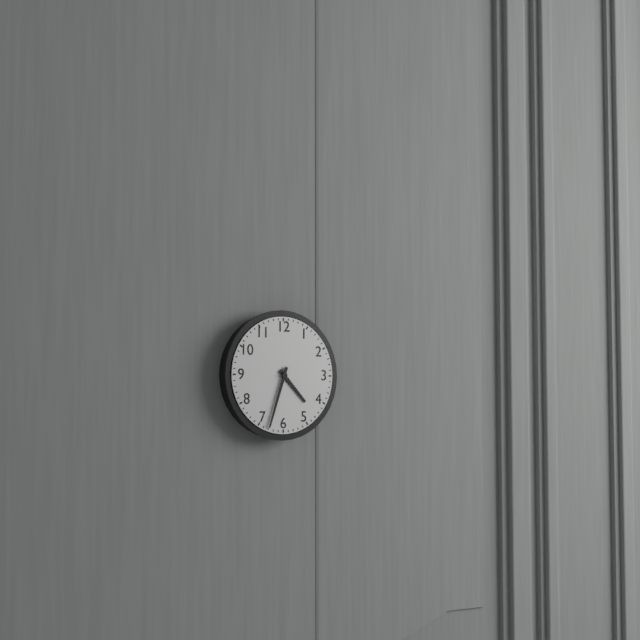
4,33
